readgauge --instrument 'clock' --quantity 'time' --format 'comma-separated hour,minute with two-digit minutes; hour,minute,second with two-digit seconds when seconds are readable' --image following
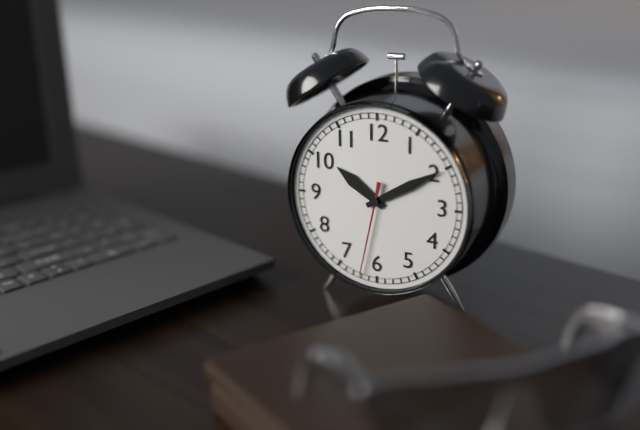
10,10,32
